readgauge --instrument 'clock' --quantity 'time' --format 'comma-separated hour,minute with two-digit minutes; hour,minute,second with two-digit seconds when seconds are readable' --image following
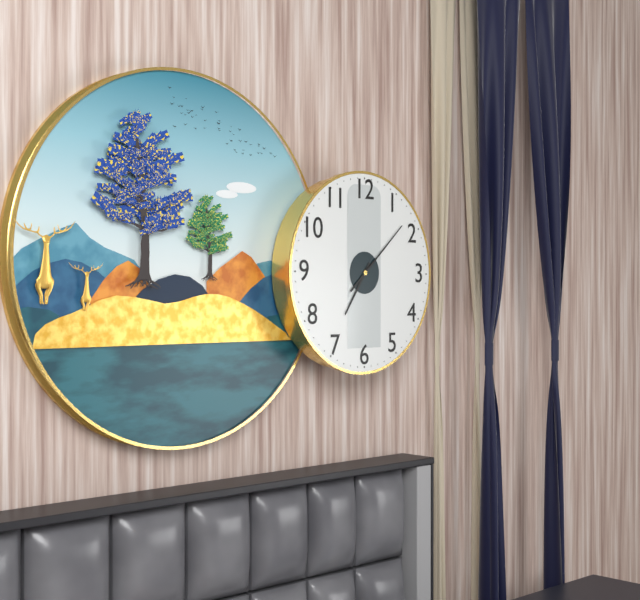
7,08
